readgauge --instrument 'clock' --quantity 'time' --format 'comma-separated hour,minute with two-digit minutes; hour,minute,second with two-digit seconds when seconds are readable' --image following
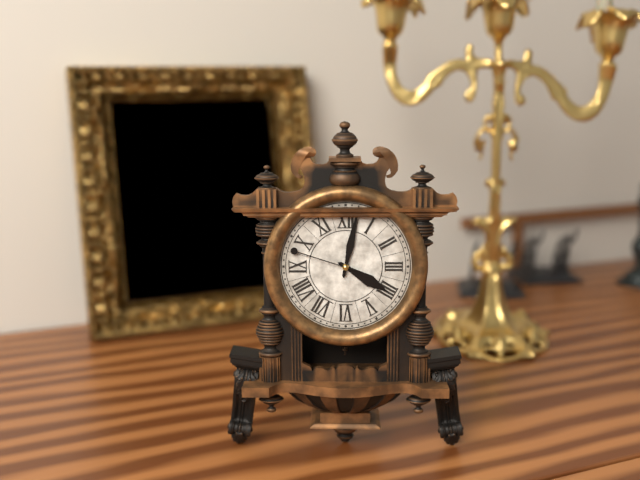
4,02,48
